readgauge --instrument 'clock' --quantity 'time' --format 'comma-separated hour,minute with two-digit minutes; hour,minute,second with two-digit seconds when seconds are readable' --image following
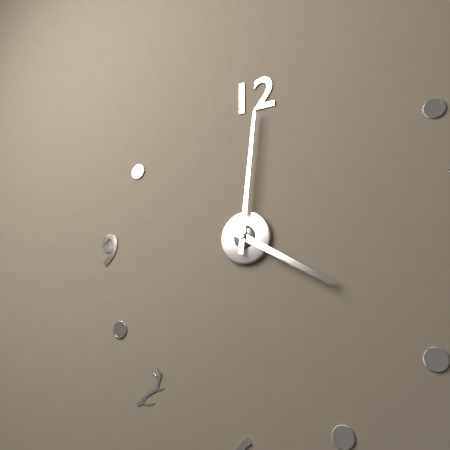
4,01
